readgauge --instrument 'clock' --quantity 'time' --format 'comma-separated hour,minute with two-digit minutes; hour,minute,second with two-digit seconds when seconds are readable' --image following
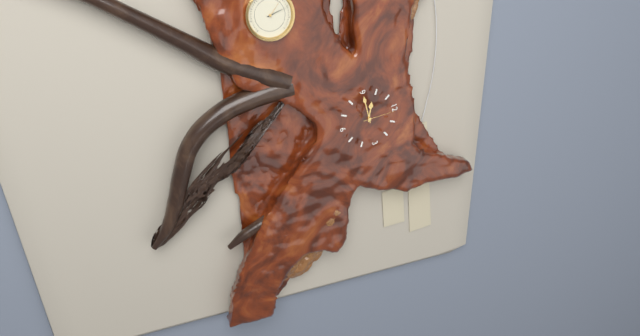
9,45
